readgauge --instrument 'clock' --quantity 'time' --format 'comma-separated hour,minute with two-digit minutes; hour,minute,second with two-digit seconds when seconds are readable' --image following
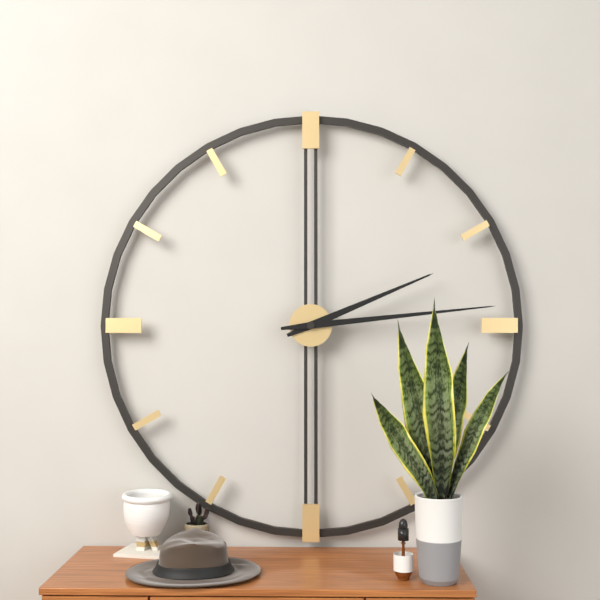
2,14
